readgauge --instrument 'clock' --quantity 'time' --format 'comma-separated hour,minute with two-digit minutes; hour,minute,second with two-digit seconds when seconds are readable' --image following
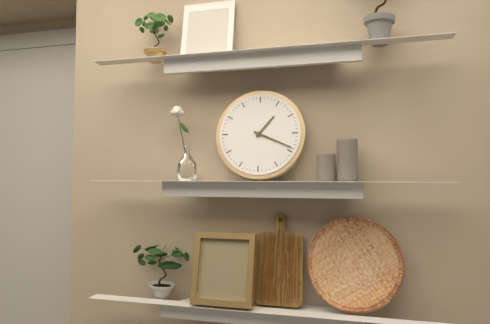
1,19
